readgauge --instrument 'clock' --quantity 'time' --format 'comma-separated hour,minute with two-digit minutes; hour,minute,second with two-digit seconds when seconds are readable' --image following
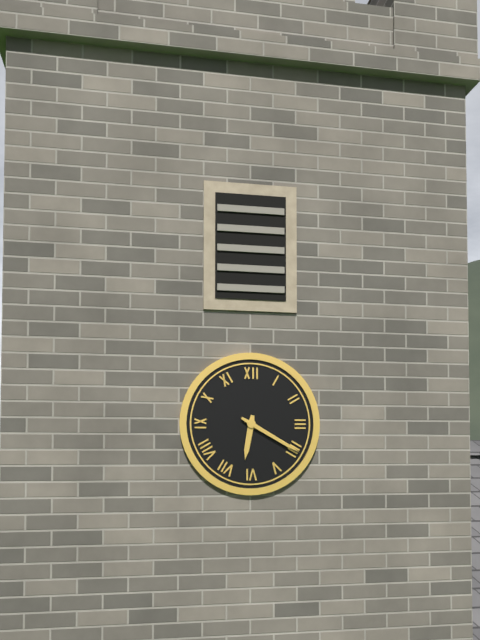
6,20
